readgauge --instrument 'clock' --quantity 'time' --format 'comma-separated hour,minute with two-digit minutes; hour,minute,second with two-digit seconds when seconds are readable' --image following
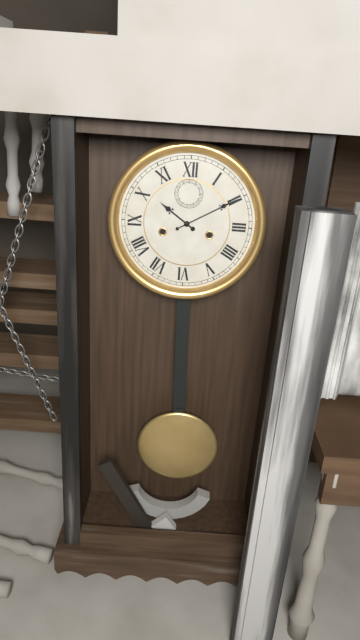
10,10
